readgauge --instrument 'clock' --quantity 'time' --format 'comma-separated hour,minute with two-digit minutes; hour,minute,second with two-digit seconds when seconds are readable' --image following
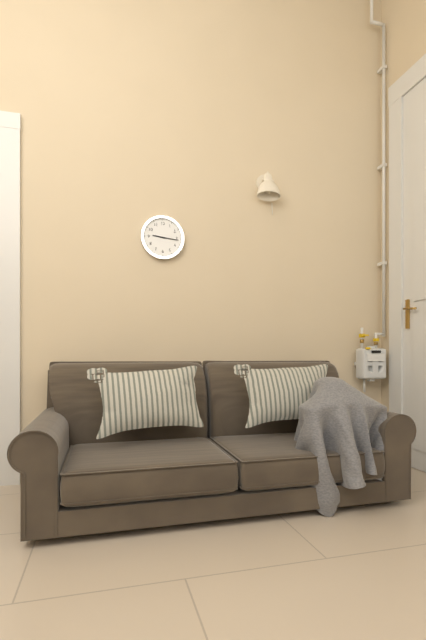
9,16
